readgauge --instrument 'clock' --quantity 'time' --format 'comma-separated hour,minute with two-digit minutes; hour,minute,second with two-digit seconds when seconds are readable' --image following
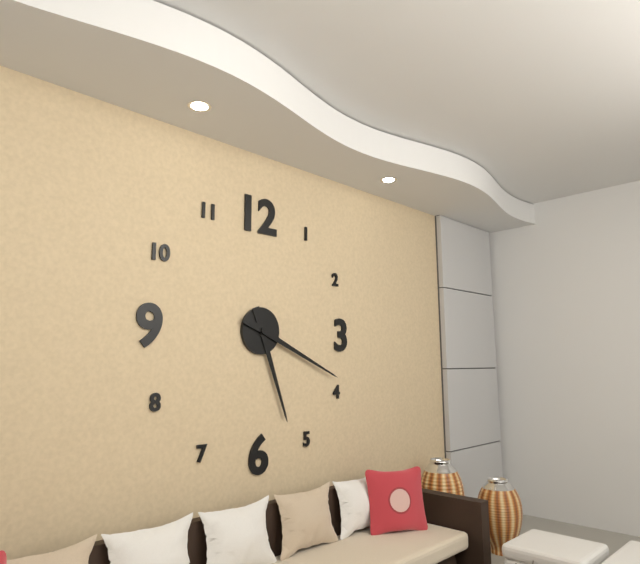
5,19
